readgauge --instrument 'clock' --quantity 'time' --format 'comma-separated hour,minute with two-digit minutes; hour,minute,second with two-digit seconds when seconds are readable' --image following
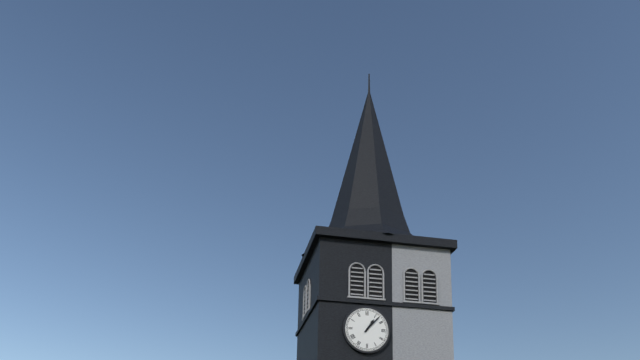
1,07
